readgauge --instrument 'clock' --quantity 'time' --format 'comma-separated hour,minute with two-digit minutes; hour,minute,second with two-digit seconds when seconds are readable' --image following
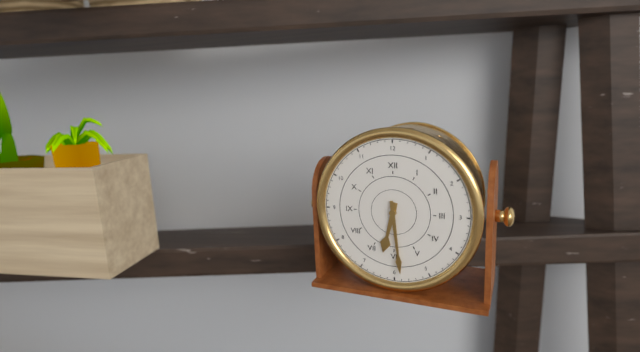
6,29
